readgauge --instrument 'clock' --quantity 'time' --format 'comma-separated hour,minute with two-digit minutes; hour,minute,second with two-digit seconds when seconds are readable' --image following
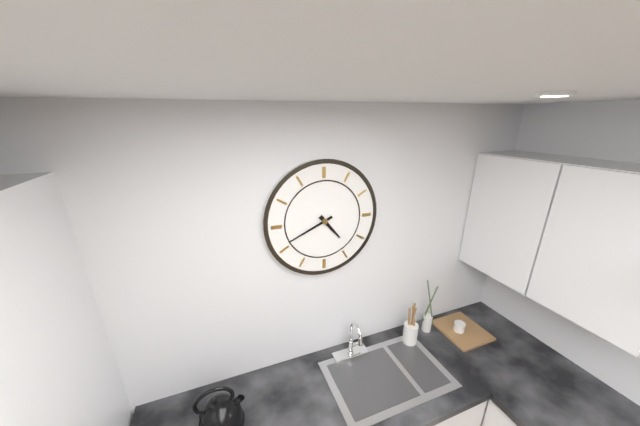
4,41
